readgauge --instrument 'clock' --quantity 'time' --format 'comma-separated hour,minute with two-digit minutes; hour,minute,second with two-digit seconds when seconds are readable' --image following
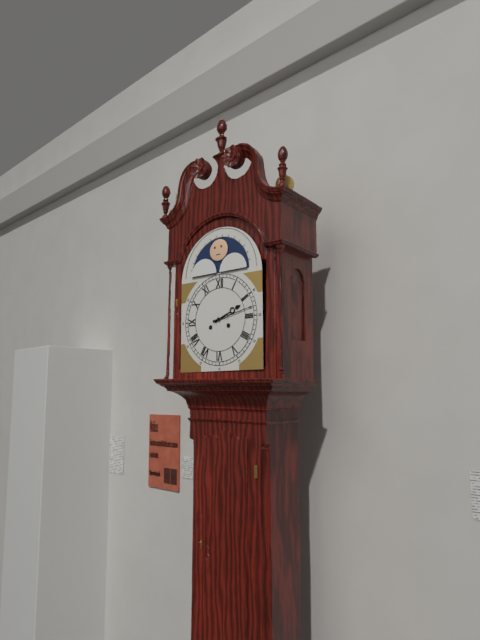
2,13
